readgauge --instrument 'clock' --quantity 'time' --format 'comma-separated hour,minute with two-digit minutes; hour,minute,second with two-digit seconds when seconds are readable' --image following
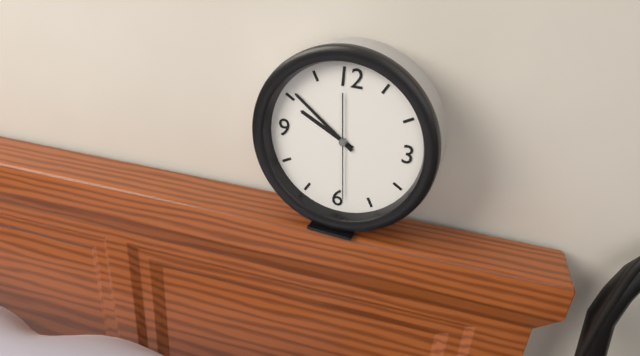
9,51,29
